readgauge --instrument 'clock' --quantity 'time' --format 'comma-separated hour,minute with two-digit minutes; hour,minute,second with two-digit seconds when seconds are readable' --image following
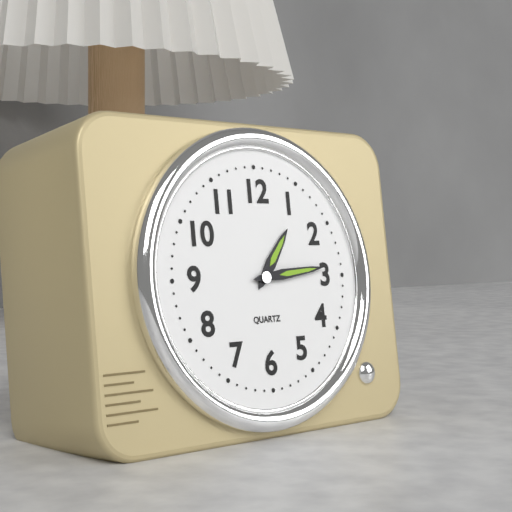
1,14
